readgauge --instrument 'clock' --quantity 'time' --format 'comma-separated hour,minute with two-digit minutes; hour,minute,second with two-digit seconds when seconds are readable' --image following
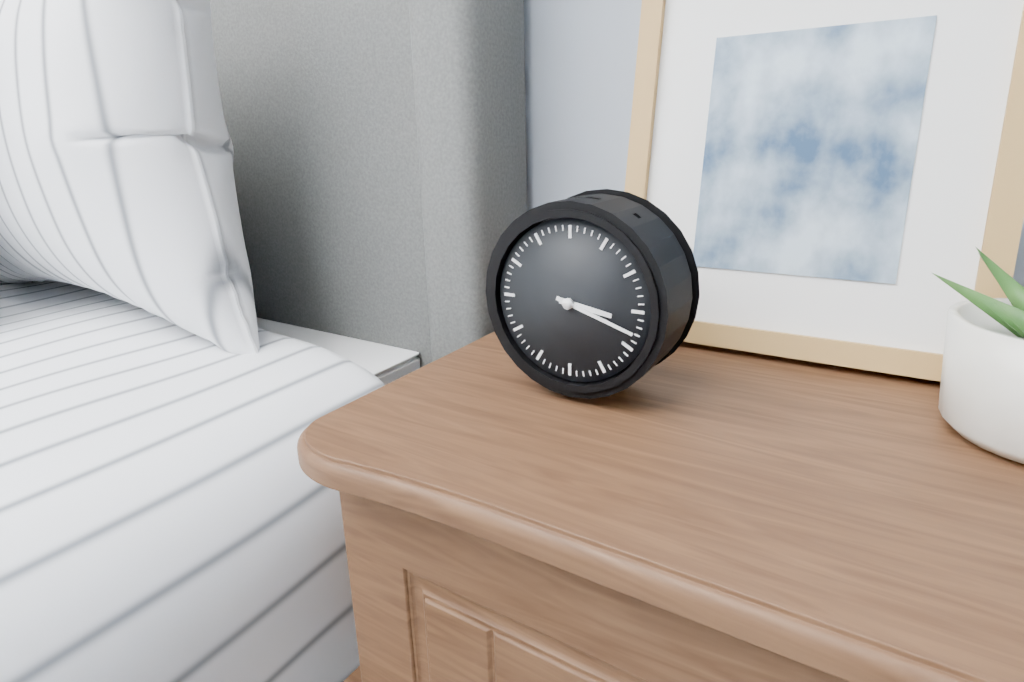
3,18
